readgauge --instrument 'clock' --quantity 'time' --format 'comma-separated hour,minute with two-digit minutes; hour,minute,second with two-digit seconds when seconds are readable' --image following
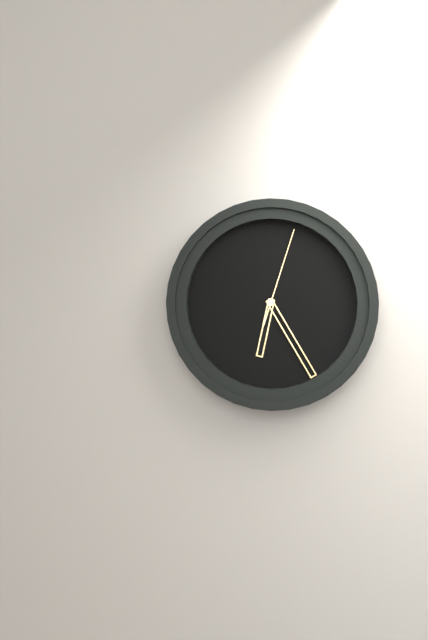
6,25,03
